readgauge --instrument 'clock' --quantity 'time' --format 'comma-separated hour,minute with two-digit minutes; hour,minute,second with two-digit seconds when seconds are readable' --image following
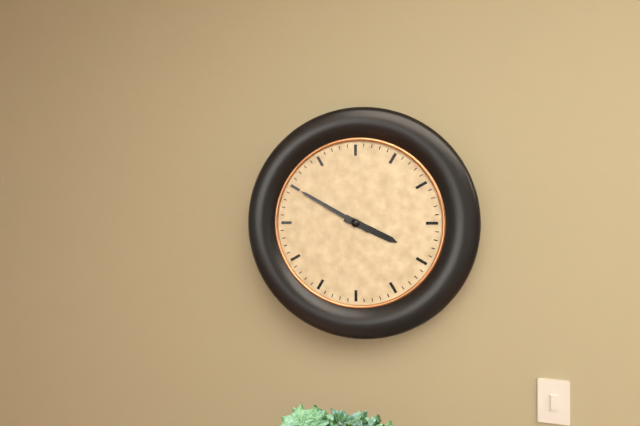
3,50
